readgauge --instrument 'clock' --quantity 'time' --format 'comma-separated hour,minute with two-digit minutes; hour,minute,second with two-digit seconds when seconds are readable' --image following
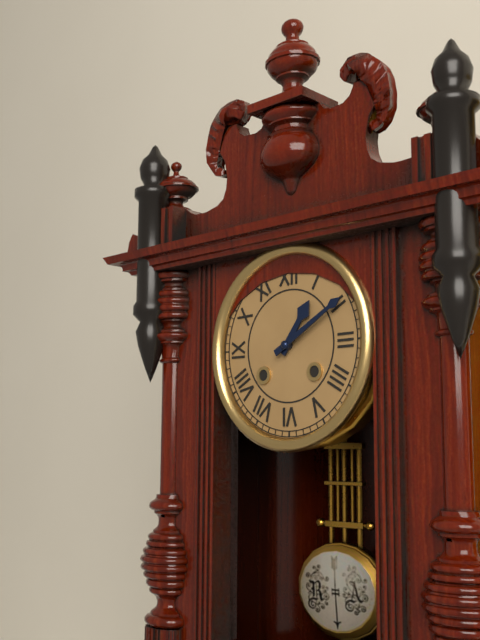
1,10
